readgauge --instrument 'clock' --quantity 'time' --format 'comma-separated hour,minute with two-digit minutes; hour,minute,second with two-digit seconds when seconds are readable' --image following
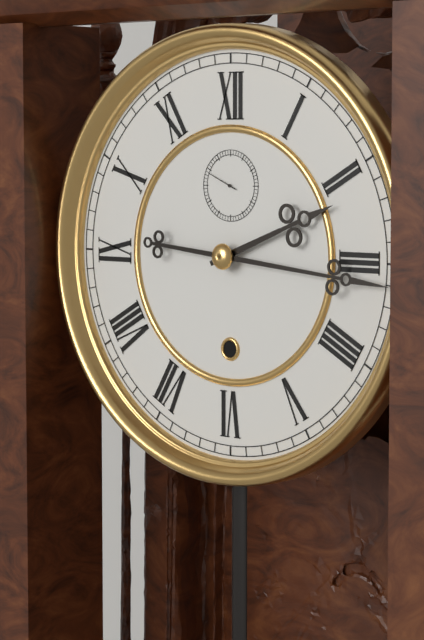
2,16
